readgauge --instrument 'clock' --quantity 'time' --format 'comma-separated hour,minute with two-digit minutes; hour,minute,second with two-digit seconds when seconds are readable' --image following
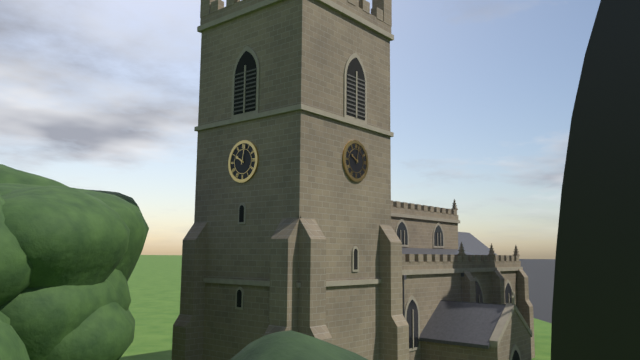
10,02
